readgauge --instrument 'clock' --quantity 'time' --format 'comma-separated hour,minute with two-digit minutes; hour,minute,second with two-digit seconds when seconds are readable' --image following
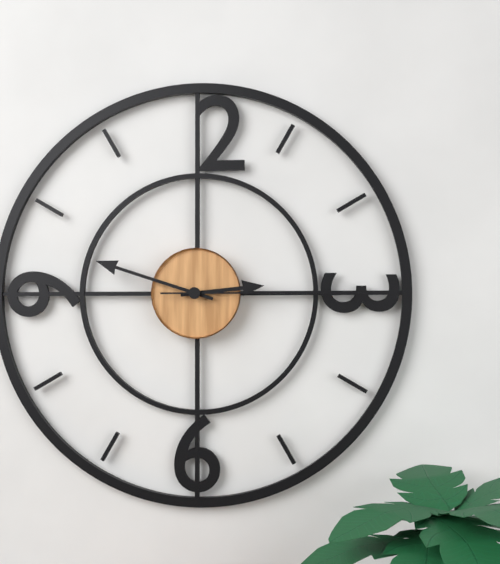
2,48,15
